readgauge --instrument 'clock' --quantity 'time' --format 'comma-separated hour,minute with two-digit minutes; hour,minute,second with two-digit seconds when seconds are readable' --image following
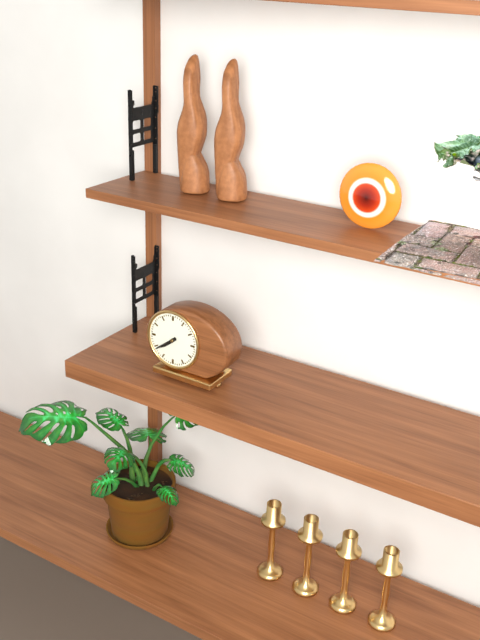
7,39
